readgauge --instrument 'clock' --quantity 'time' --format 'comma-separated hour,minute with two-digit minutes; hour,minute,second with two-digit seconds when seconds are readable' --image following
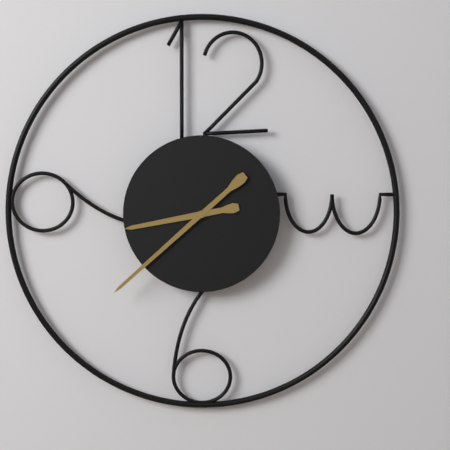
8,38
